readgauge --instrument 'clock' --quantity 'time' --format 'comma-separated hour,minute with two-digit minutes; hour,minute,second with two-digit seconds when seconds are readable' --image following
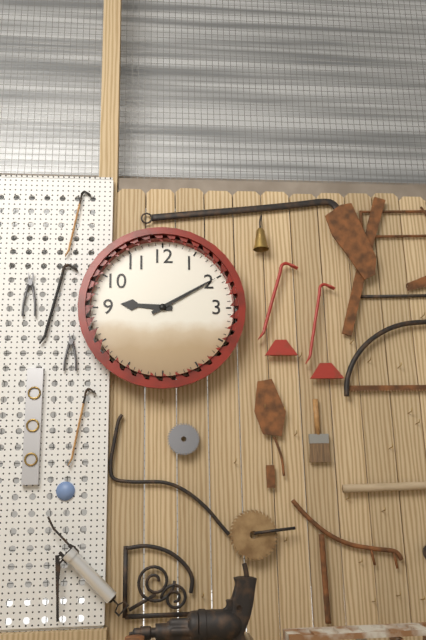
9,10
